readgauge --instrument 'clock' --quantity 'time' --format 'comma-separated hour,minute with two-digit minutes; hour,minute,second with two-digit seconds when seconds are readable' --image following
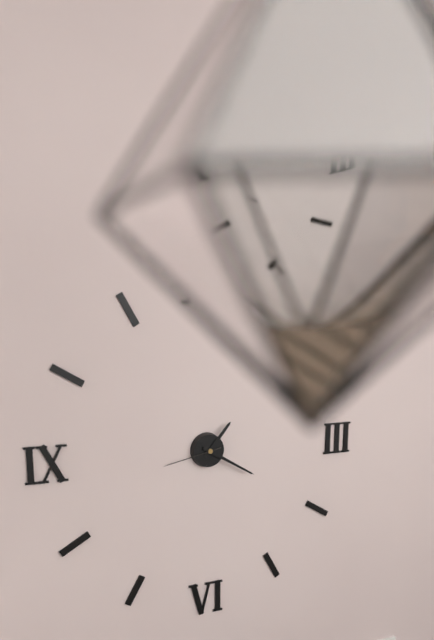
1,20,43
